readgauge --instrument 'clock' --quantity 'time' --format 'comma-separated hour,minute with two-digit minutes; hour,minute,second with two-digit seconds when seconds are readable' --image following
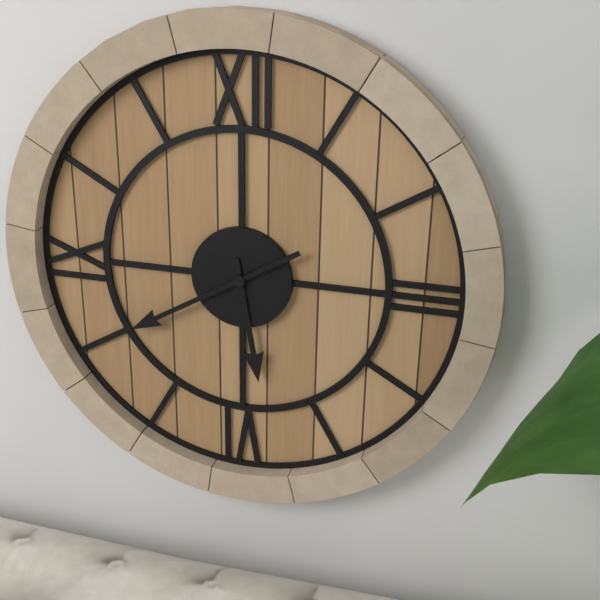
5,40
